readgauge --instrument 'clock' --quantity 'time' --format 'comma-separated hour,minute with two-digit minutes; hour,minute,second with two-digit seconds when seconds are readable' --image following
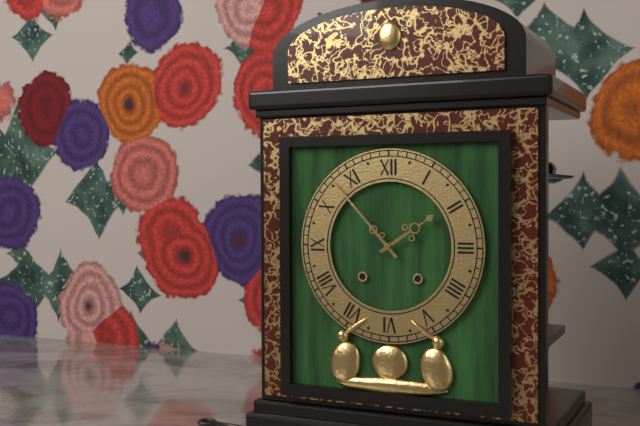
1,53
